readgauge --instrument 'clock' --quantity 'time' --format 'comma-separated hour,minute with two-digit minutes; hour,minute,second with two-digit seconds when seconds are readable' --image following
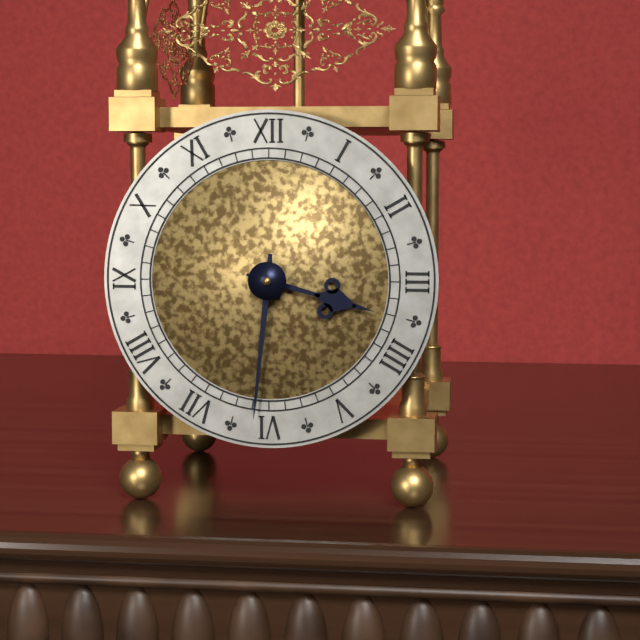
3,31
